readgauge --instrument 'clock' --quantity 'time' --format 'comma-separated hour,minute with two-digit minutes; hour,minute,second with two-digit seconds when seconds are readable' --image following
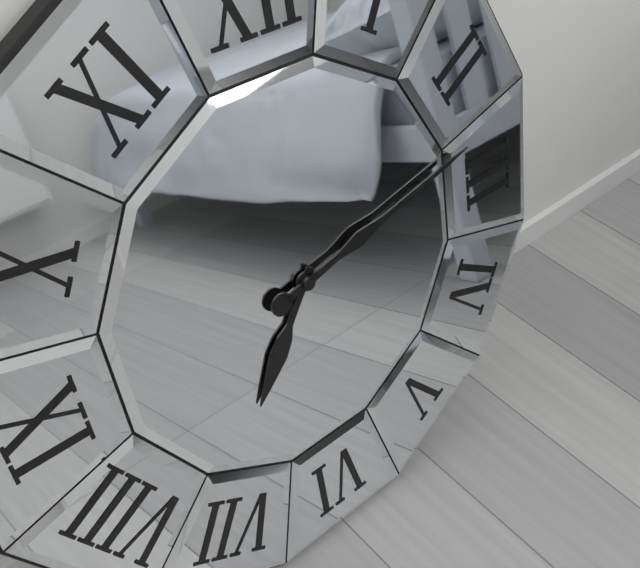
7,13
